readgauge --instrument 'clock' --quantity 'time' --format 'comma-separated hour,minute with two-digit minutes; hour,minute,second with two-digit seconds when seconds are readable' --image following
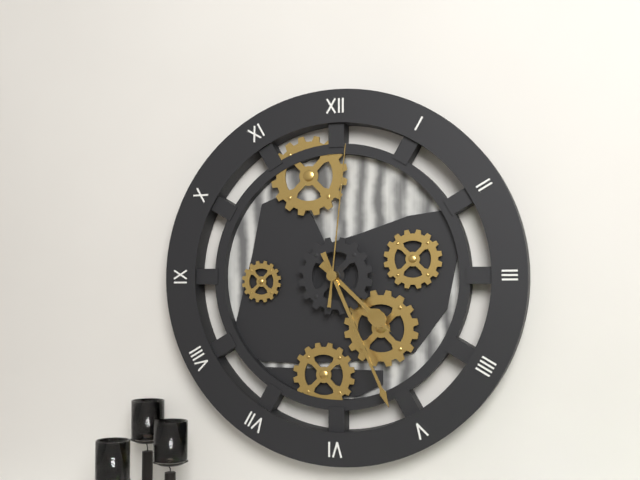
4,26,01
